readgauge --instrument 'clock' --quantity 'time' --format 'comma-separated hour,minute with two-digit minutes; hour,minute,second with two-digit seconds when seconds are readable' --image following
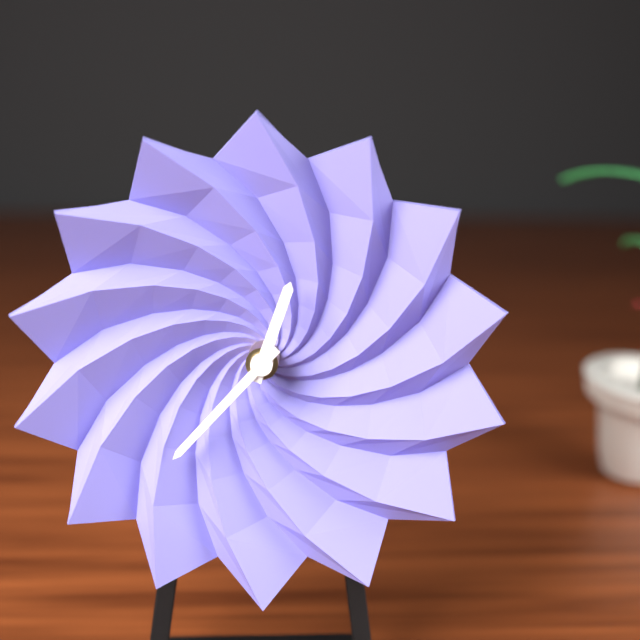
12,37
